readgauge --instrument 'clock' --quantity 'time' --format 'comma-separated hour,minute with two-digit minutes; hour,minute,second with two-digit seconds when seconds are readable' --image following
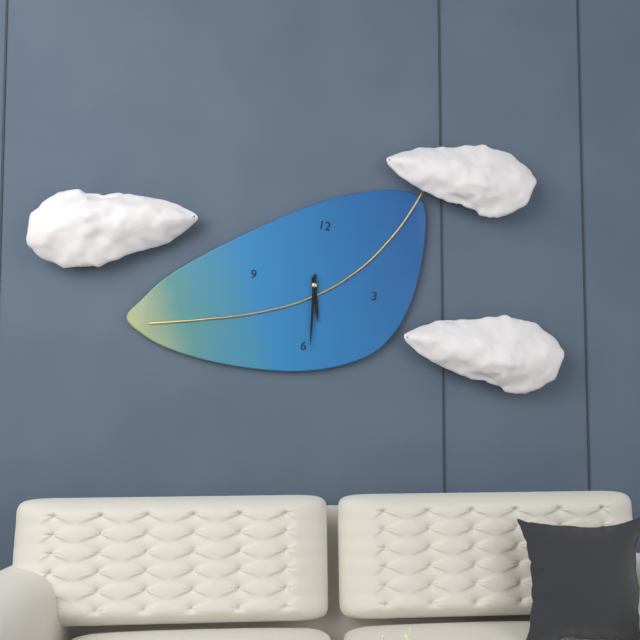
5,29
